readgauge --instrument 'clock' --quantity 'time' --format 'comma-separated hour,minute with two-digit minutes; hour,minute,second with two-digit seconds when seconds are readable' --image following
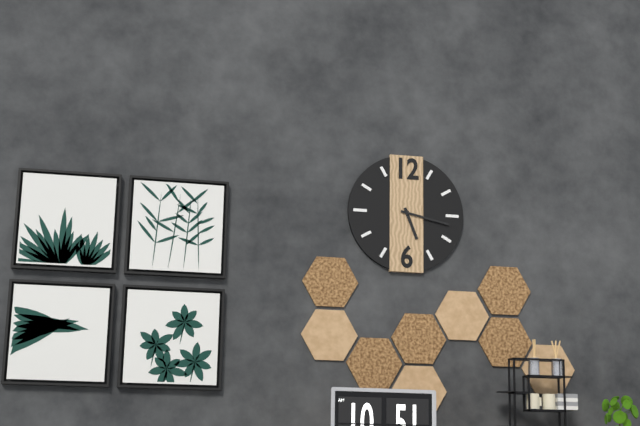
5,17
